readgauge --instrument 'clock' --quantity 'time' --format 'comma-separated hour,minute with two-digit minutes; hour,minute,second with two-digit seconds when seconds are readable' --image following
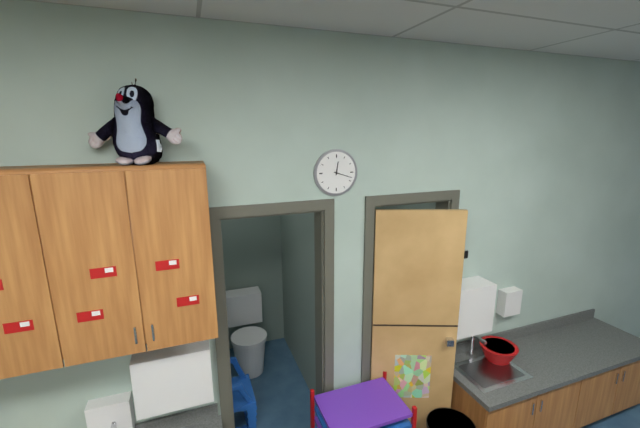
12,18
